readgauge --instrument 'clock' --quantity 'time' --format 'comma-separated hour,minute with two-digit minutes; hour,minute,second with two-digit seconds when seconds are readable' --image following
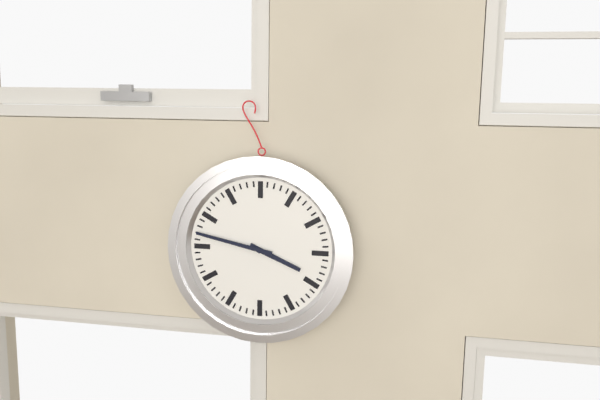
3,47
